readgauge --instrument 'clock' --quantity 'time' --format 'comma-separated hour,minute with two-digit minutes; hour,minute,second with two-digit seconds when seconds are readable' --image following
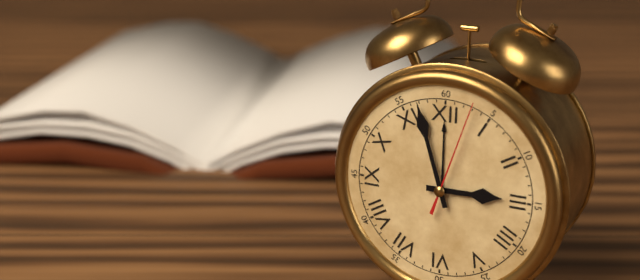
2,57,03
